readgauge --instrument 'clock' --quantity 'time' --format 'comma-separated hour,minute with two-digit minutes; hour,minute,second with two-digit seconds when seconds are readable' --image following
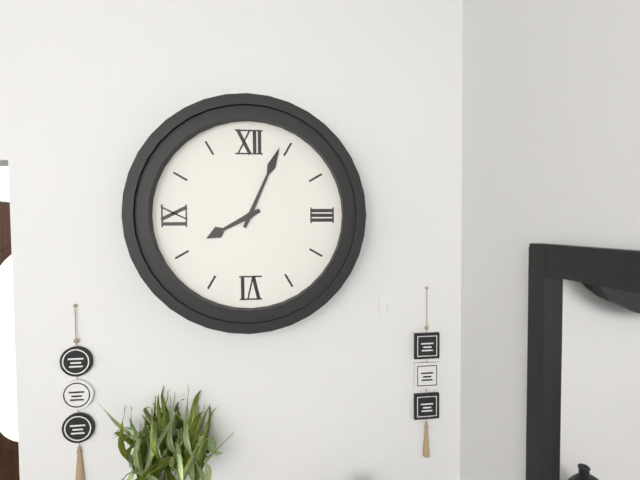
8,04
